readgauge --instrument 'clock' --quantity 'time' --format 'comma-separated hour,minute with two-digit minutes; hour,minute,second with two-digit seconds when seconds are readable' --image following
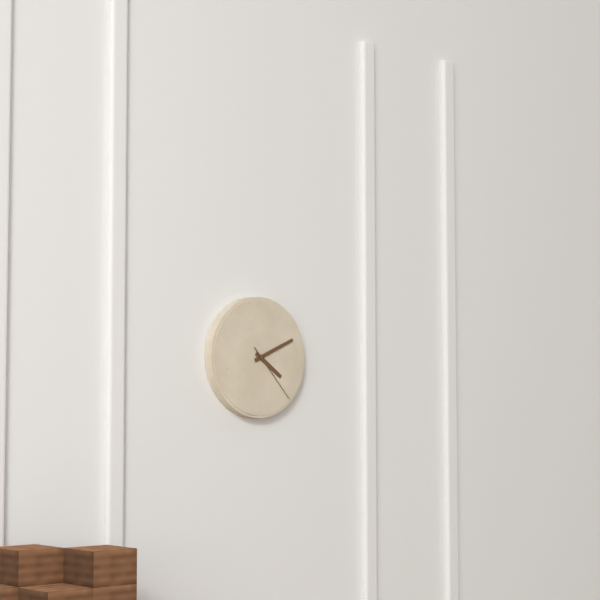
4,11,23
